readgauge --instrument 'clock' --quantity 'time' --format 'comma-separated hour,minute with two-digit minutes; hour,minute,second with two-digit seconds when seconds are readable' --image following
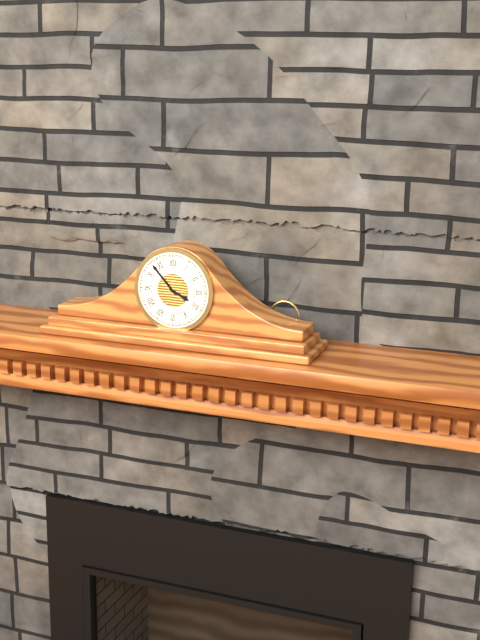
3,53
